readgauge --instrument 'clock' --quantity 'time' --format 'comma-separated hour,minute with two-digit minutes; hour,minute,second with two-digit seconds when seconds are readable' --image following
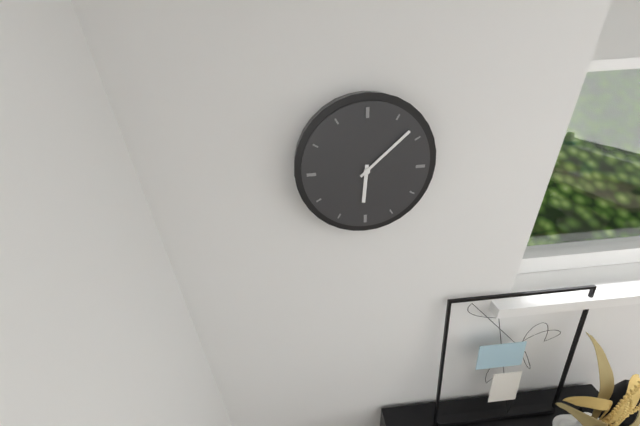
6,08
